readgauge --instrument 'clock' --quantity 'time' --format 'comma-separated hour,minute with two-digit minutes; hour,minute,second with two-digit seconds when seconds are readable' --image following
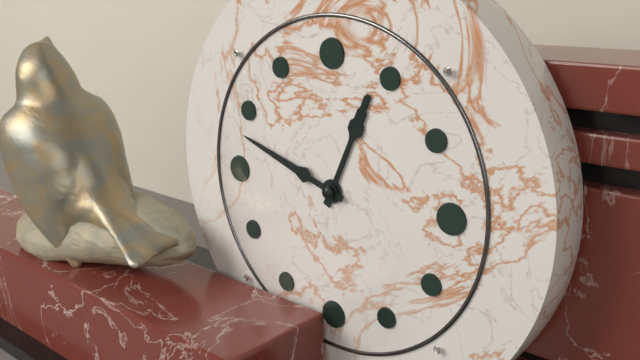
12,48
